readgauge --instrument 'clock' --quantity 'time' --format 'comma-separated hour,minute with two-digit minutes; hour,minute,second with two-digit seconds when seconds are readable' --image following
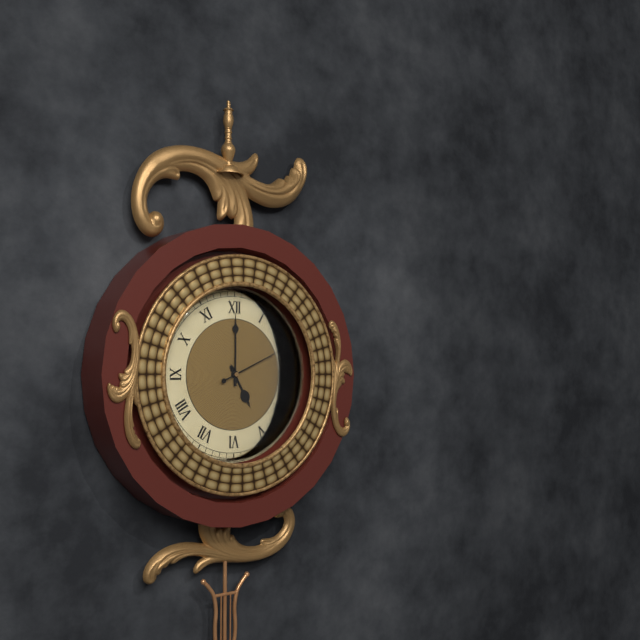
5,00,11
